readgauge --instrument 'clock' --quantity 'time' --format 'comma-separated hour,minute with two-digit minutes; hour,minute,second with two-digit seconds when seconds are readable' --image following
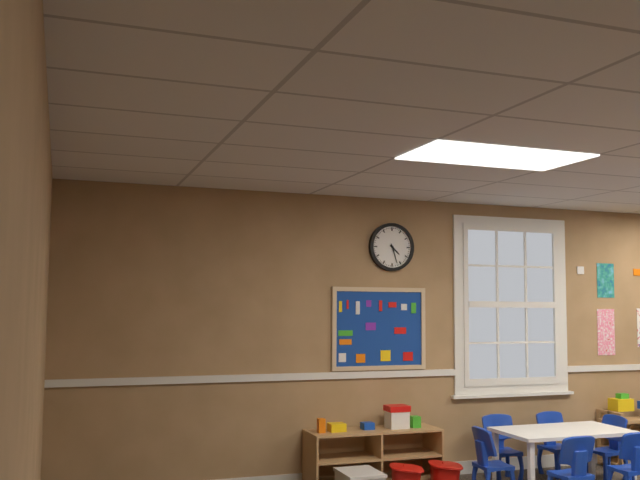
4,27
